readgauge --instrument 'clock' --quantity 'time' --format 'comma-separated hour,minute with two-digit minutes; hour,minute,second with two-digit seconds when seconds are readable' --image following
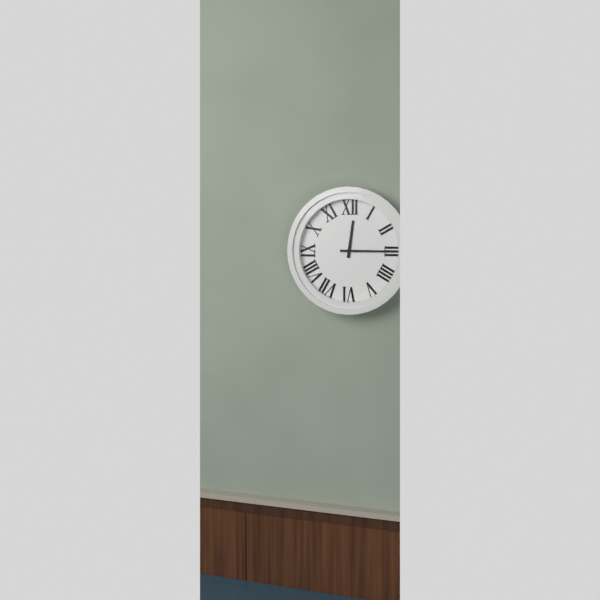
12,15
